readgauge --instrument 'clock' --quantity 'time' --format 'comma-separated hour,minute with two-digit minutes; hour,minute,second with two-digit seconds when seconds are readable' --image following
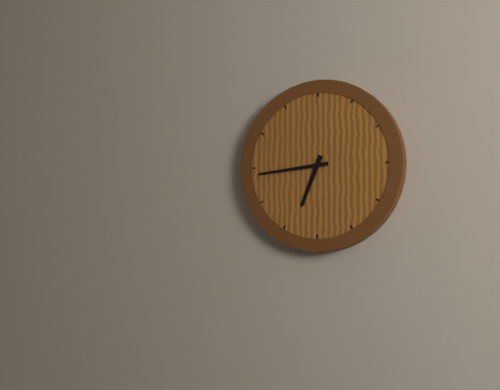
6,44
